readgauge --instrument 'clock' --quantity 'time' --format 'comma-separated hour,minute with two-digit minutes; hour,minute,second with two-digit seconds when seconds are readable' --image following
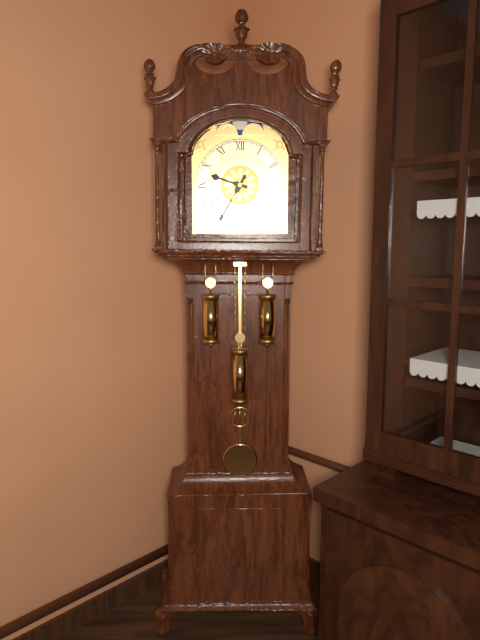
9,35
